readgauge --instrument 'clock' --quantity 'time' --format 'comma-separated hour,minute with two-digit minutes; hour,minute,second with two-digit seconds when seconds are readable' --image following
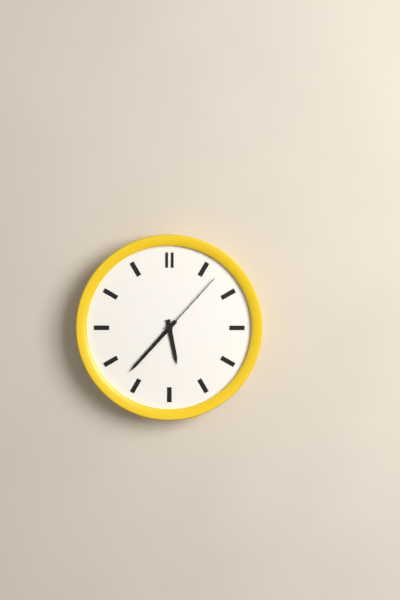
5,37,07
